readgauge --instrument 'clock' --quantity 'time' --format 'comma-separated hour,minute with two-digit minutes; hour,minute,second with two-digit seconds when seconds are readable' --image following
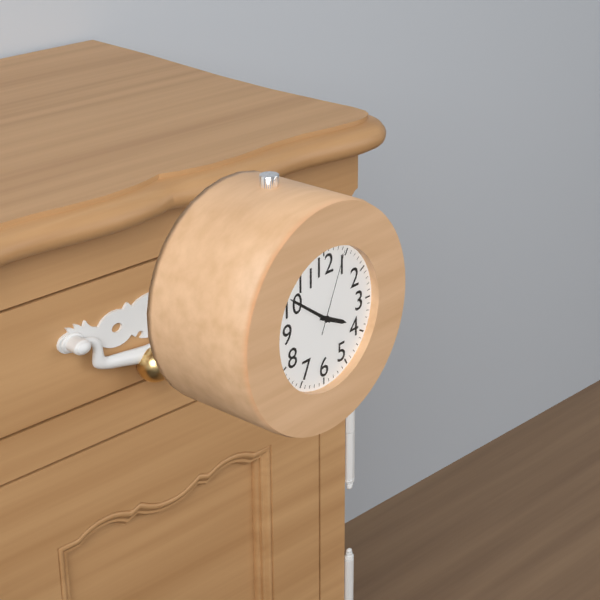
3,51,04
